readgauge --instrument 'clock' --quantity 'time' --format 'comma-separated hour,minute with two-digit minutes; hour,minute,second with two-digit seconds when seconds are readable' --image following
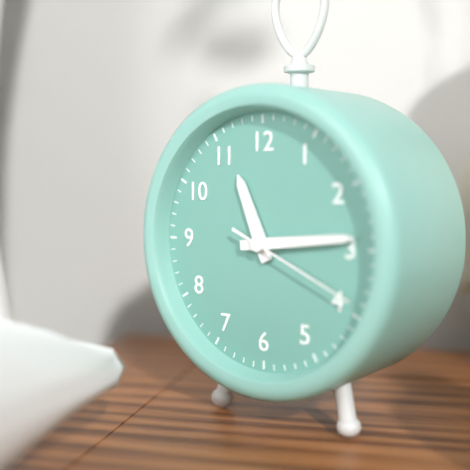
11,14,19
